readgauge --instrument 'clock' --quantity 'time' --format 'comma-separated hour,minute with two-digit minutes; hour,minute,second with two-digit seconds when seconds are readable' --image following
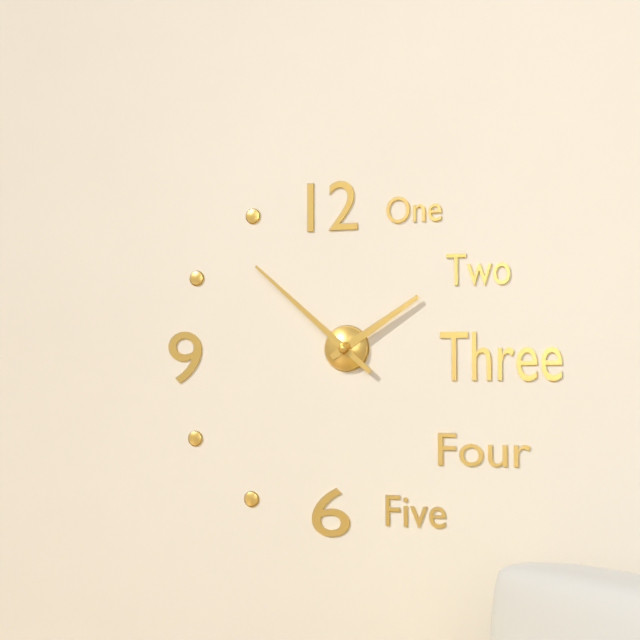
1,52
